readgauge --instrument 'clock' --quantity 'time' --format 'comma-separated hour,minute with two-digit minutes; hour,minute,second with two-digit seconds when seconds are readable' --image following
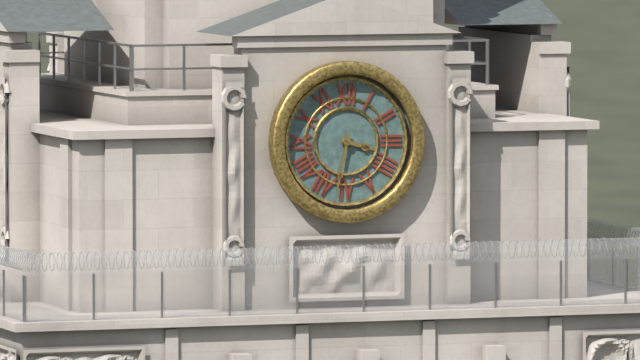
3,32
